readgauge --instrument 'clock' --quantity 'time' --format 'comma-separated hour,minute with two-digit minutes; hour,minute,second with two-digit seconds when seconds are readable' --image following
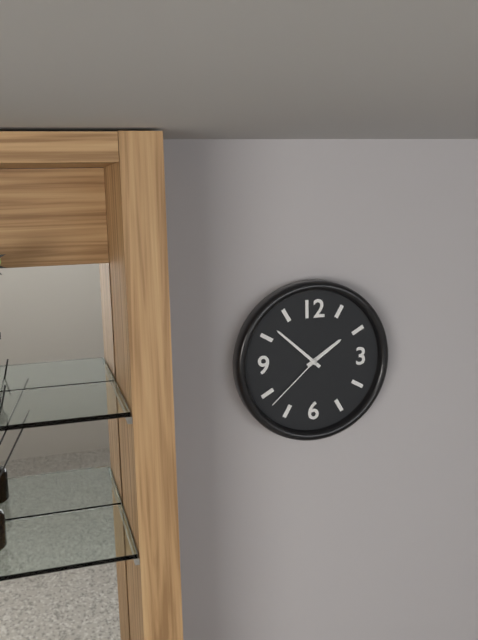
1,52,38
